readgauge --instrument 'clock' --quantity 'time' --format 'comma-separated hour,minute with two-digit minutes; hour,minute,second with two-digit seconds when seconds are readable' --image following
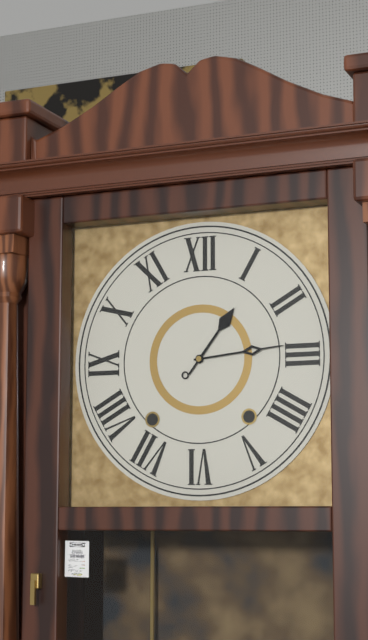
1,14
